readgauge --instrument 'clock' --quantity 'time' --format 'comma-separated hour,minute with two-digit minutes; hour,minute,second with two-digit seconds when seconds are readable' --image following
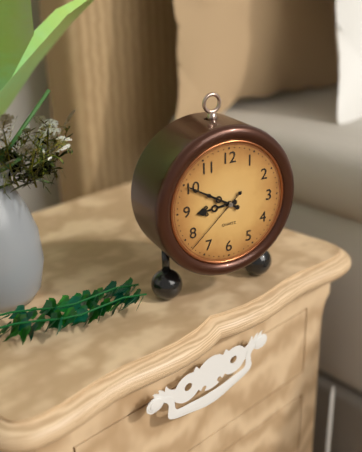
8,50,38
